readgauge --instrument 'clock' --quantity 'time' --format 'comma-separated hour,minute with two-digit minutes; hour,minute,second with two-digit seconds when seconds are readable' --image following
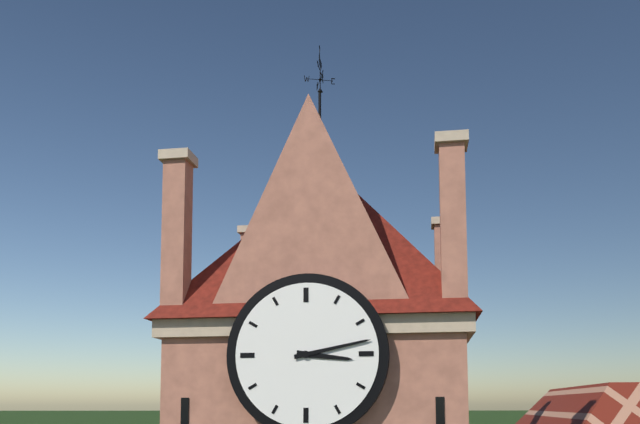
3,13
